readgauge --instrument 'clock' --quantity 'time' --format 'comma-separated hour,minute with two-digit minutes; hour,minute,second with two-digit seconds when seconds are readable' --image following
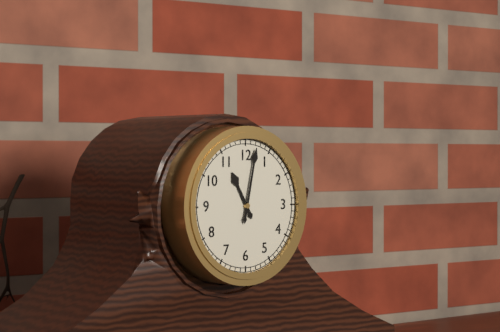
11,02
